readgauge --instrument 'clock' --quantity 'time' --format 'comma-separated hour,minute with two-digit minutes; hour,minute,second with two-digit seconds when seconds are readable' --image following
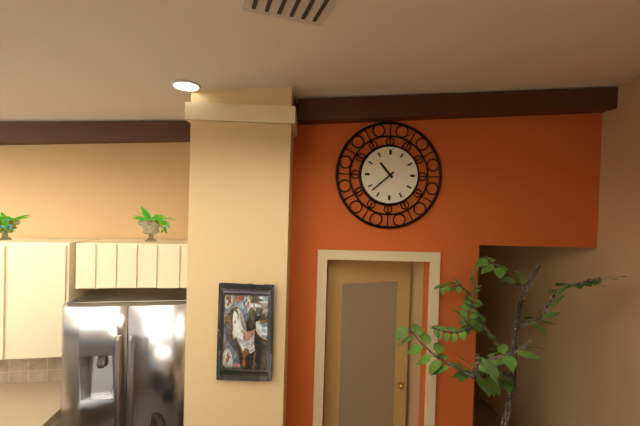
10,38
